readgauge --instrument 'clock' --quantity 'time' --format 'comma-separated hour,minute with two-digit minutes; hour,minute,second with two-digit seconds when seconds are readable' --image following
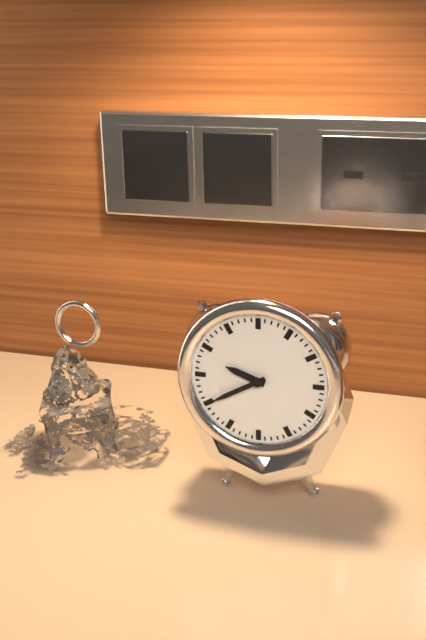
9,40
